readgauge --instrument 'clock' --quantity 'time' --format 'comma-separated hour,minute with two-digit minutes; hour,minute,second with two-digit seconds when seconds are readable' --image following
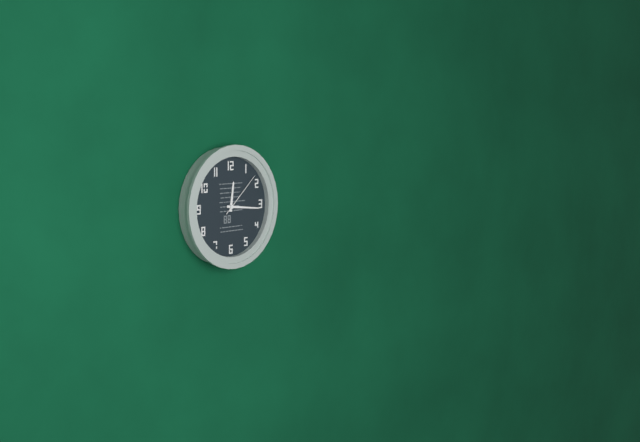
12,16
